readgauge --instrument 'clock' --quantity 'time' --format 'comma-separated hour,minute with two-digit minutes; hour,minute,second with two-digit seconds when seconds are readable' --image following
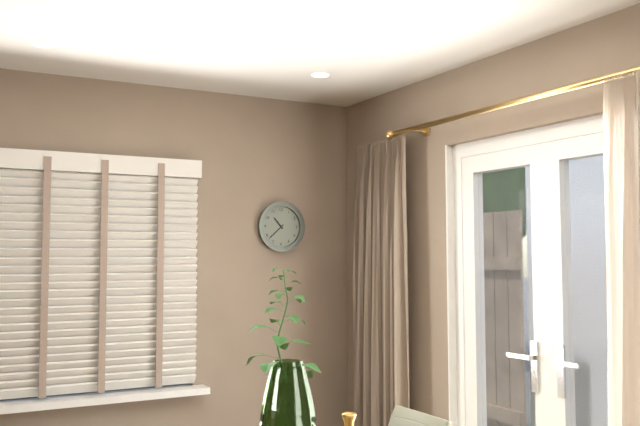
10,38
